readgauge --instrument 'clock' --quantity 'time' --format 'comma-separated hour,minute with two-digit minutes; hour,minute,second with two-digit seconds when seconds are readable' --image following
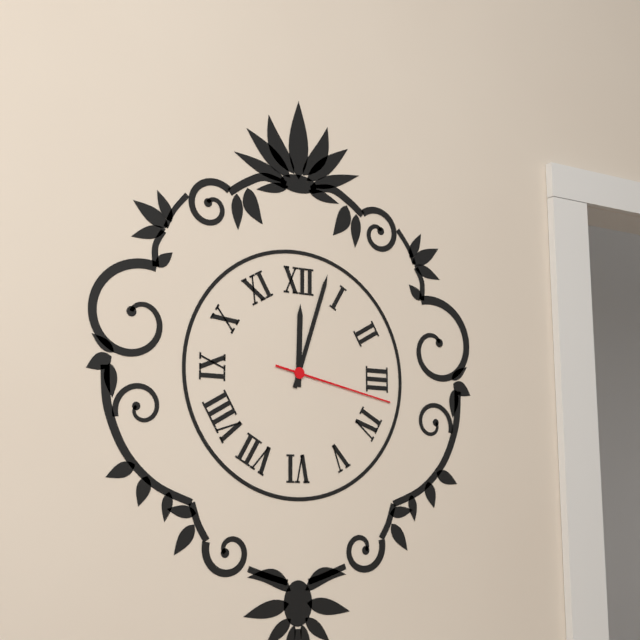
12,03,17
